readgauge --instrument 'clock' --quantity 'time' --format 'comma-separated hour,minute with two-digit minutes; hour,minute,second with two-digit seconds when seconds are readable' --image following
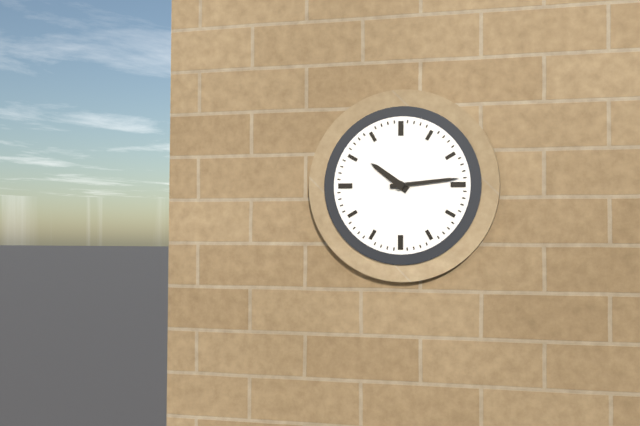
10,14
